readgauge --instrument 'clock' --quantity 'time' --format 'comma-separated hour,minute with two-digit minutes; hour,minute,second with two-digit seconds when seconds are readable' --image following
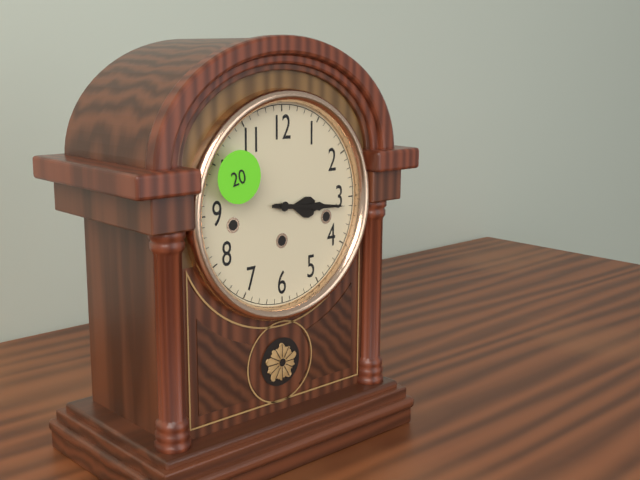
3,16
